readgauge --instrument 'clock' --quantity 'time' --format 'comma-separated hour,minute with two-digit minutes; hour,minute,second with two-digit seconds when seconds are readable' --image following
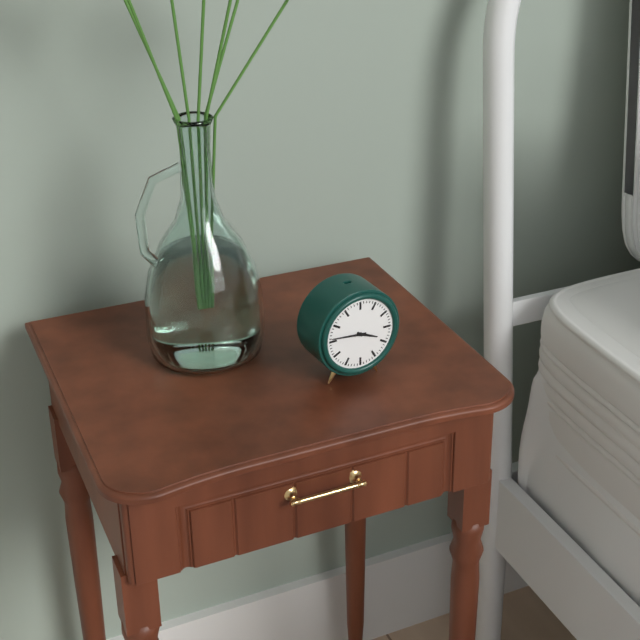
3,46
